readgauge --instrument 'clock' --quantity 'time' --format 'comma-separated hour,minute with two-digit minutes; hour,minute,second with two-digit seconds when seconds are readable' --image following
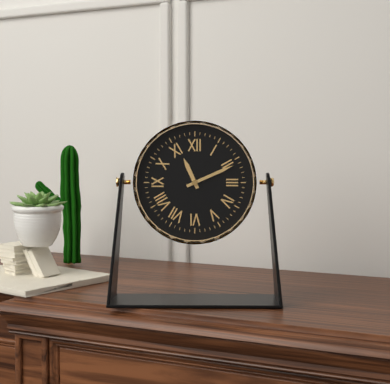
11,11
